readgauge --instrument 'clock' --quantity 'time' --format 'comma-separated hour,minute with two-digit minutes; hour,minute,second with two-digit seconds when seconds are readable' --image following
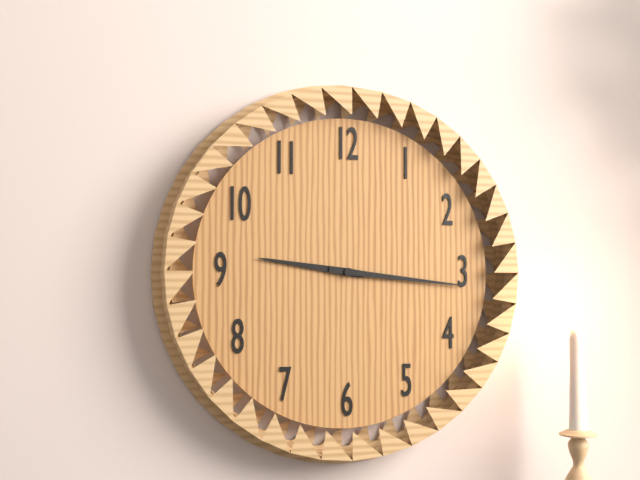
9,16
